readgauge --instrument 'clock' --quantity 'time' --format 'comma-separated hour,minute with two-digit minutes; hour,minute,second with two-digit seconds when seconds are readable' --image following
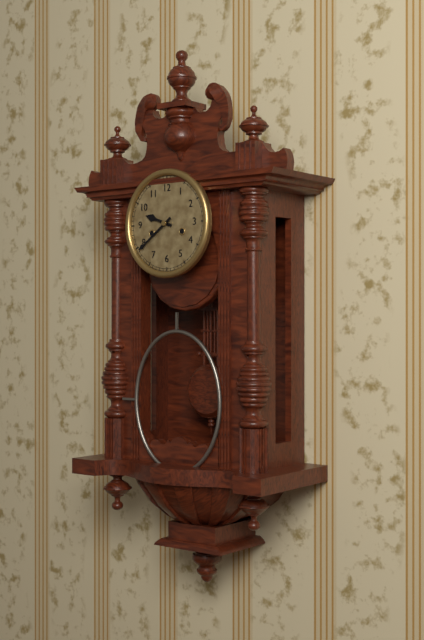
9,39
